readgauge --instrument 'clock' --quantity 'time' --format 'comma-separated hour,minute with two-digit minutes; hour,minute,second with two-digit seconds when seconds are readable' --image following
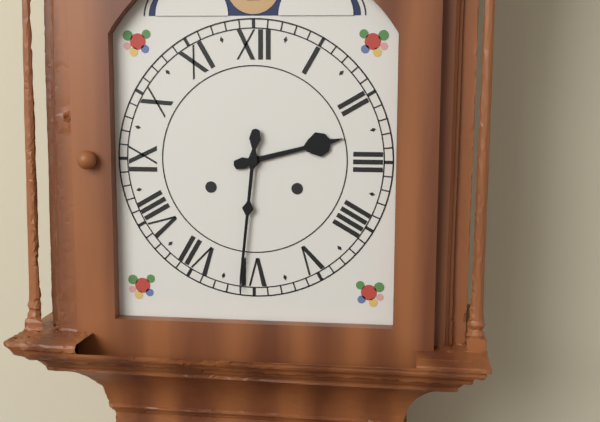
2,31
